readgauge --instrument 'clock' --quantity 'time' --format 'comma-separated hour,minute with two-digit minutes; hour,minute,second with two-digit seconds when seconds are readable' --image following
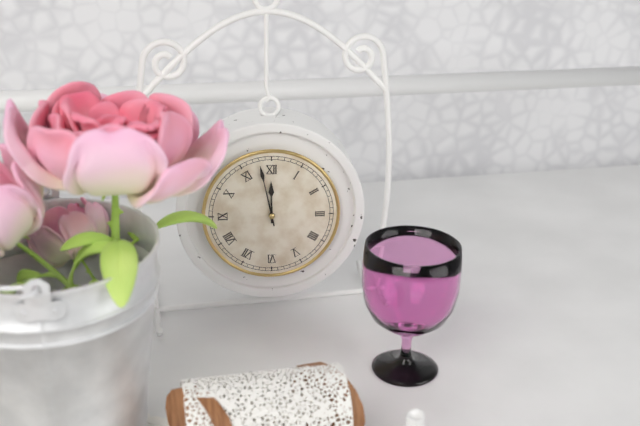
11,58
